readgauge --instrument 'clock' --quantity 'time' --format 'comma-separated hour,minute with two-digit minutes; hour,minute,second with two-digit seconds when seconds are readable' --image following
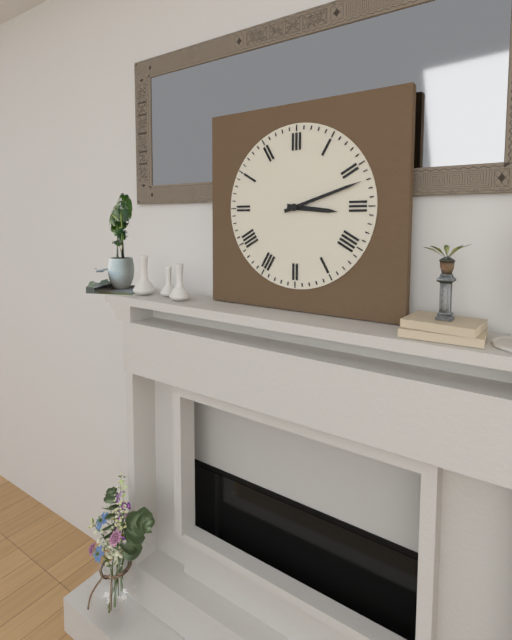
3,12
